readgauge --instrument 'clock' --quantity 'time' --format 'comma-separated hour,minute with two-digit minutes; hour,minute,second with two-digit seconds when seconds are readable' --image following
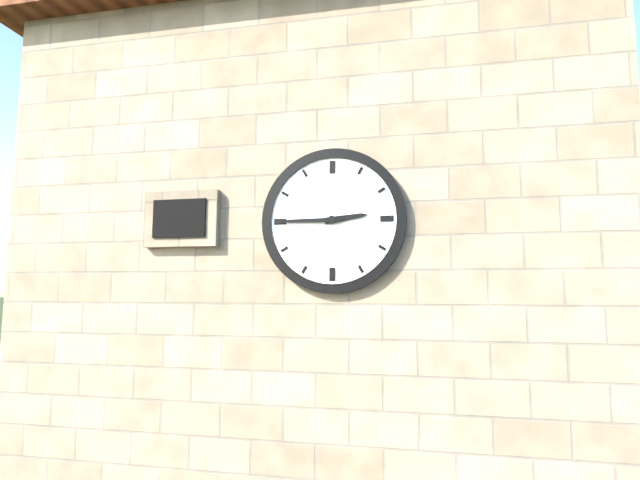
2,45
